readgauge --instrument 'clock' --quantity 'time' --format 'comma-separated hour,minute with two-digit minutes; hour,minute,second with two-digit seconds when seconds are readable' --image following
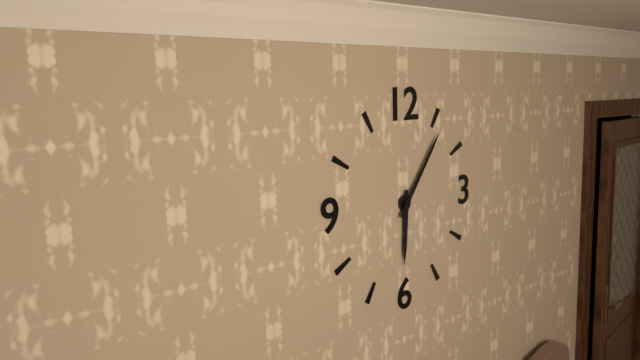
6,06
